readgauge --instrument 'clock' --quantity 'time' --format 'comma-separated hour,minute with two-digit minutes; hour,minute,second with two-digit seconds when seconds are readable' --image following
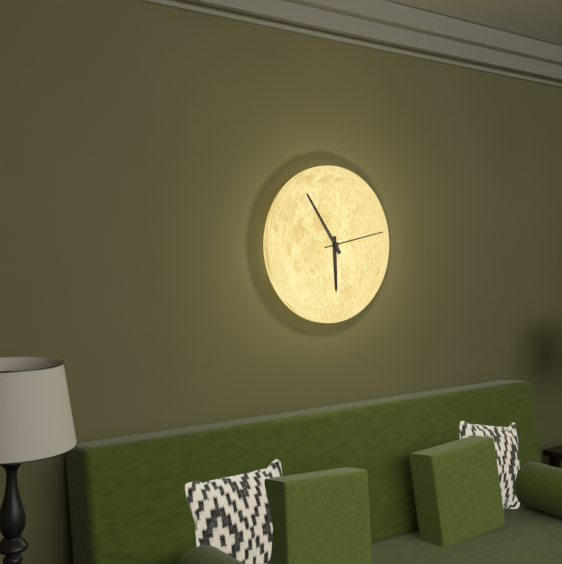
5,54,13
